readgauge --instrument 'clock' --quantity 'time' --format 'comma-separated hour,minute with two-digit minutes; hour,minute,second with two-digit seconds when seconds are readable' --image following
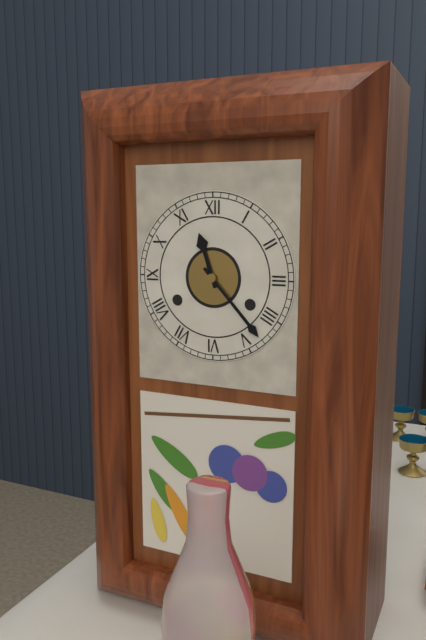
11,23
